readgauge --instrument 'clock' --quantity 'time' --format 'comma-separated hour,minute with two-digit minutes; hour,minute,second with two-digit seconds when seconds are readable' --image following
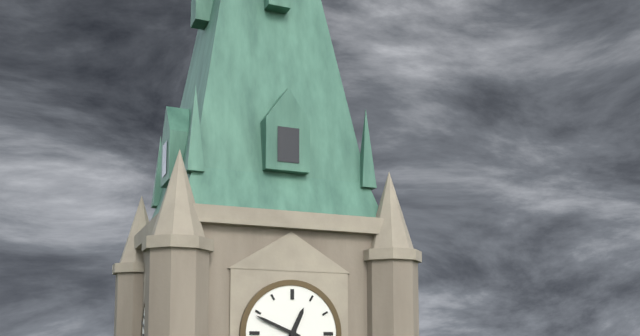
12,49
